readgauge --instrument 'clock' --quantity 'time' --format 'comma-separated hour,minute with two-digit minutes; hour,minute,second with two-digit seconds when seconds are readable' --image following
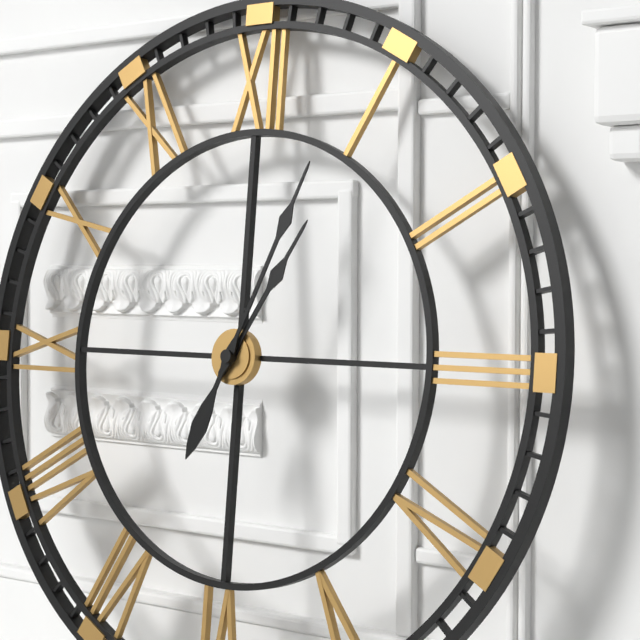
1,04
